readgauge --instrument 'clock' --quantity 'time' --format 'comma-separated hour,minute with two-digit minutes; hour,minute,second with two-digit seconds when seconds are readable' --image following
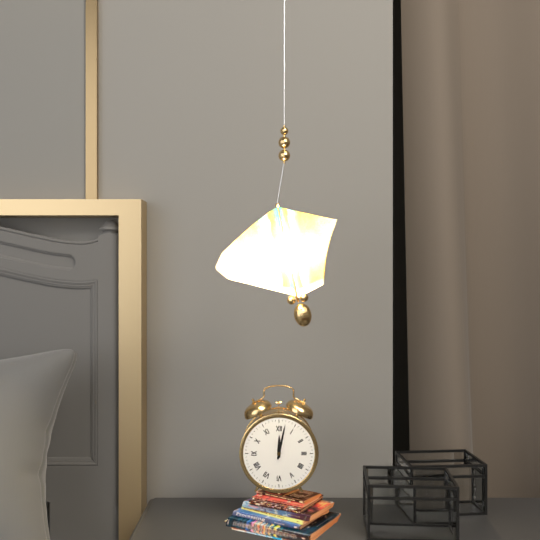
12,02
